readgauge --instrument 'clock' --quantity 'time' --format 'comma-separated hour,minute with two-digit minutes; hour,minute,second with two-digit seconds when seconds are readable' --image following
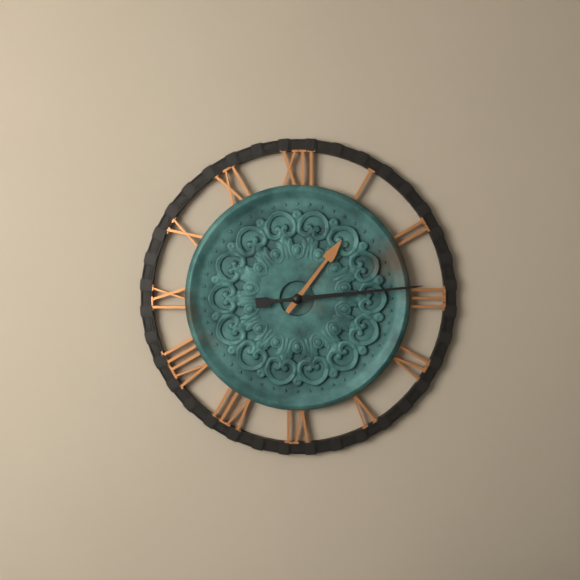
1,14
